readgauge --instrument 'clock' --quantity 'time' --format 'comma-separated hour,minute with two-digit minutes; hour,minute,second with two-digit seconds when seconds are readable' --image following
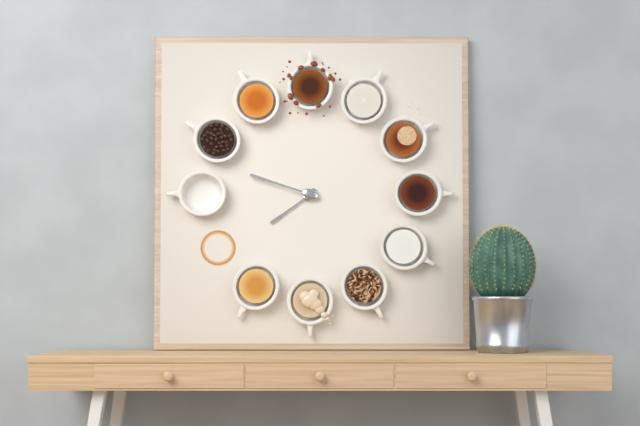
7,48
